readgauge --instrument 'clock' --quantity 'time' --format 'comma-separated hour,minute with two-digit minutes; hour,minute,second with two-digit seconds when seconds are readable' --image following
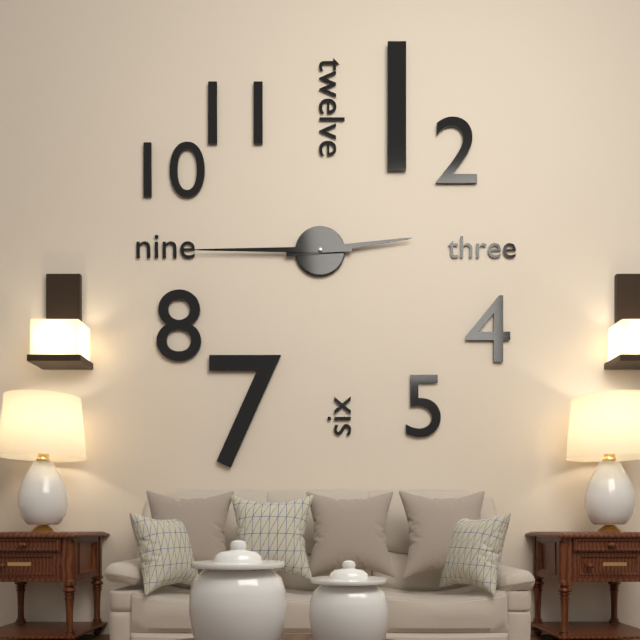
2,45
